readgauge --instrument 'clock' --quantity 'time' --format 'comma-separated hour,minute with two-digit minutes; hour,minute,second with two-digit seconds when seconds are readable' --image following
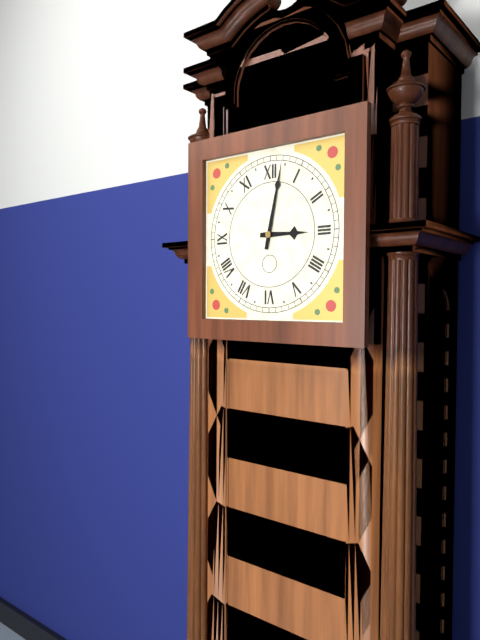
3,02
